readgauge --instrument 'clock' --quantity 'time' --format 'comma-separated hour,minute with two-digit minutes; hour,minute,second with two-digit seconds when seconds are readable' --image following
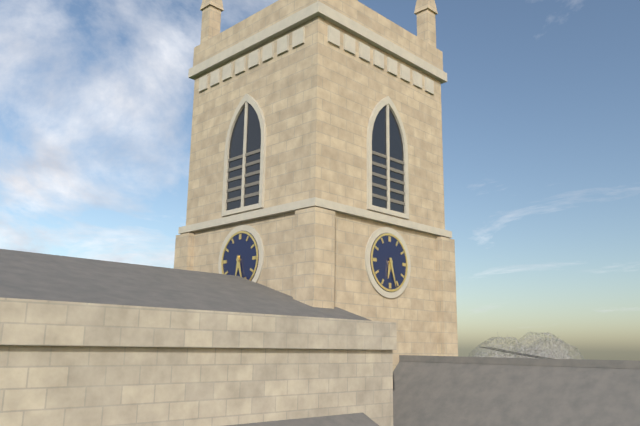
6,27
